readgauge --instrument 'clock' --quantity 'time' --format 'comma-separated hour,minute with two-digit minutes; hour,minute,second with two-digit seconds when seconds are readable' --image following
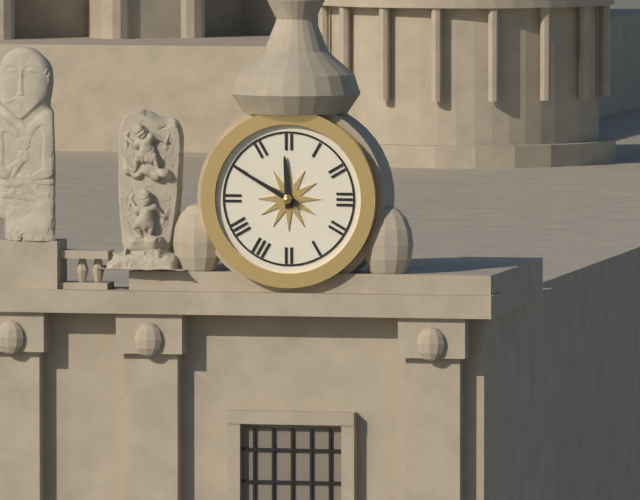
11,50
